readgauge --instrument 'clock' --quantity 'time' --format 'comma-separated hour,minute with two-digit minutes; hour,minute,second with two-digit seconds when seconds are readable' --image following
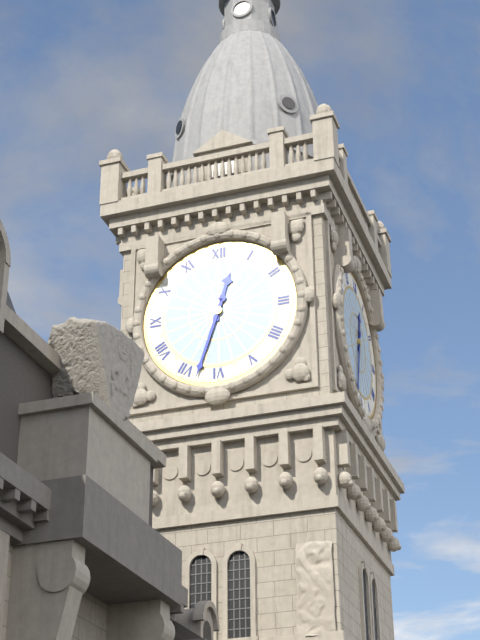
12,33
